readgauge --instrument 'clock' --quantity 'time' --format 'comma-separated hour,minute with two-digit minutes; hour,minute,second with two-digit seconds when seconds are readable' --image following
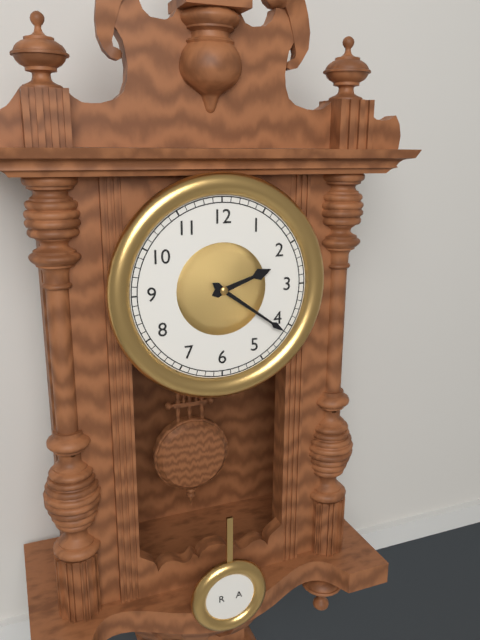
2,21
